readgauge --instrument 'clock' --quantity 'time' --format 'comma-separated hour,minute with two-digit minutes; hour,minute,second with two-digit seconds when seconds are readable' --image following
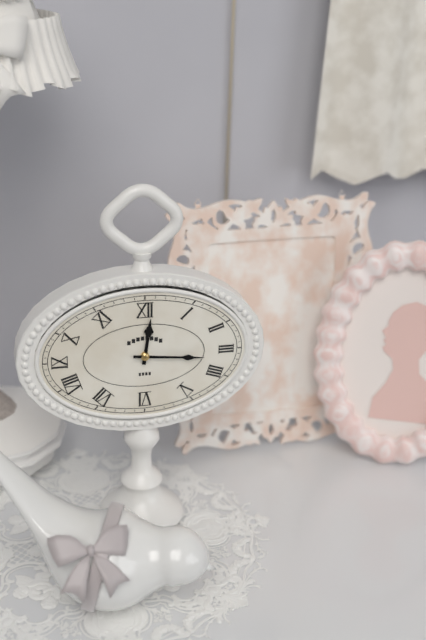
12,16
